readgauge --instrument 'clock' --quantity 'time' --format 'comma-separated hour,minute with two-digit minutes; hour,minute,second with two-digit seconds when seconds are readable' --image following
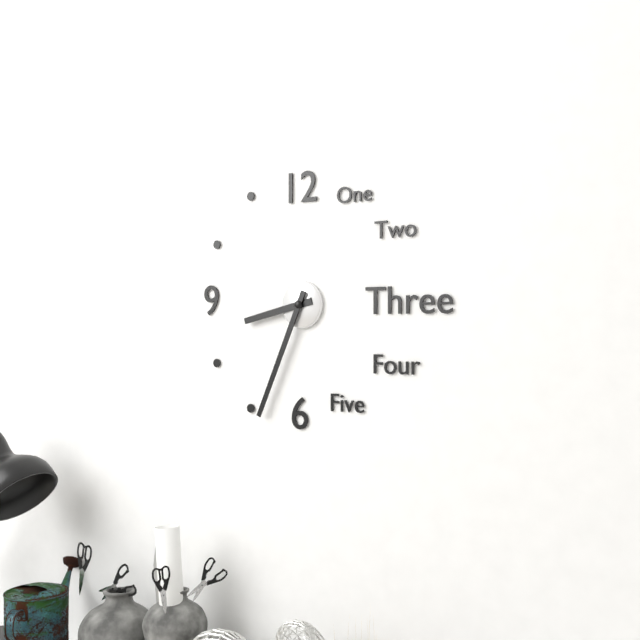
8,34
